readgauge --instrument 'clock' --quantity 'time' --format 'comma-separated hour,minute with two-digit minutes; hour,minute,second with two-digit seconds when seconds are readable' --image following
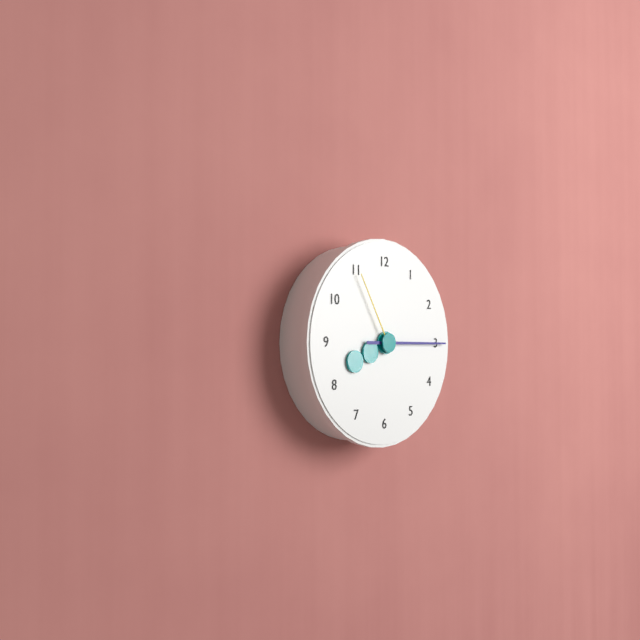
8,15,55
